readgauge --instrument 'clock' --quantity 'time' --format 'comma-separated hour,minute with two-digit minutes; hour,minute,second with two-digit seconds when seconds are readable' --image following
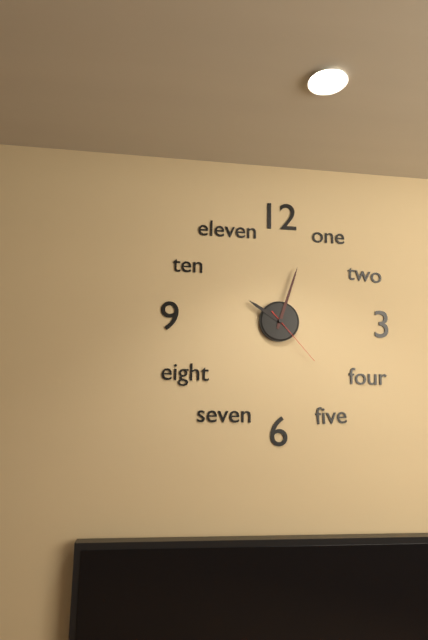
10,03,23
